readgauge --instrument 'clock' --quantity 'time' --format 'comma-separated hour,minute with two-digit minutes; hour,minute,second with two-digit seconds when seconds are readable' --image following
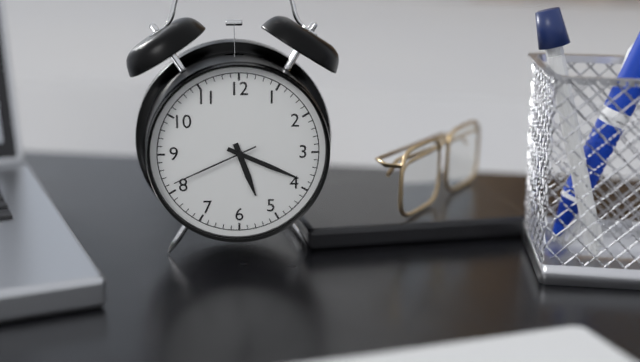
5,19,41
